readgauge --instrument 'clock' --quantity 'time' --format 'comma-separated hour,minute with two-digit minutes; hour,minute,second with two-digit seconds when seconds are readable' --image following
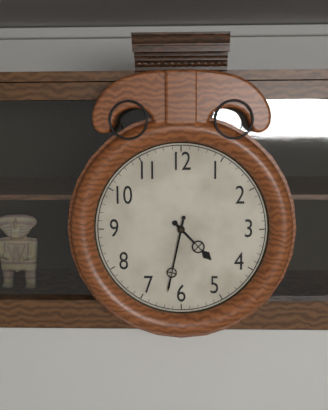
4,32
